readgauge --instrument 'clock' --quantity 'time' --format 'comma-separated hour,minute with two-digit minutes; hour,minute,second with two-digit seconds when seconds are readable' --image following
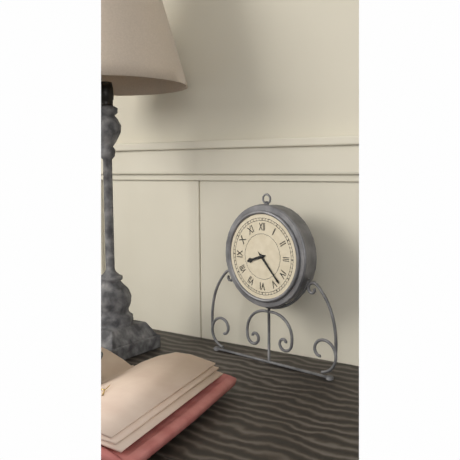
8,23
